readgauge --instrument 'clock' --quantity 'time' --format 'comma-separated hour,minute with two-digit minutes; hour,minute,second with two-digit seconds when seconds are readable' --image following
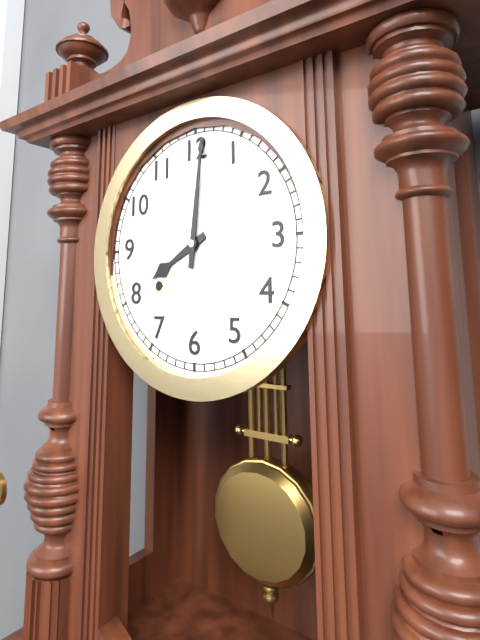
8,01
